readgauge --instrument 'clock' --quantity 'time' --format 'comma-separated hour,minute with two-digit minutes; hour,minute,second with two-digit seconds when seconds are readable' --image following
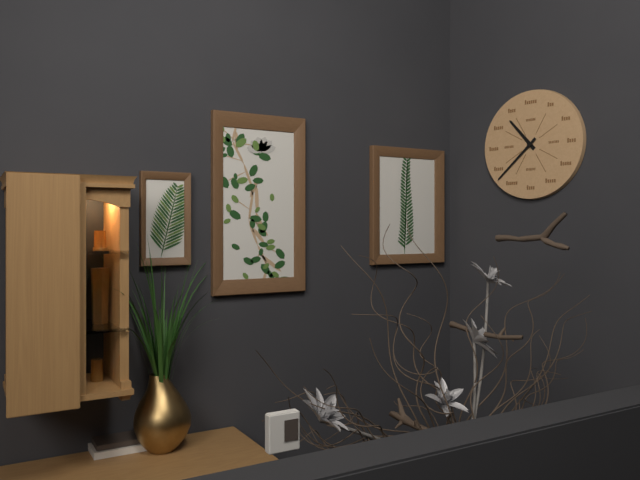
10,38
